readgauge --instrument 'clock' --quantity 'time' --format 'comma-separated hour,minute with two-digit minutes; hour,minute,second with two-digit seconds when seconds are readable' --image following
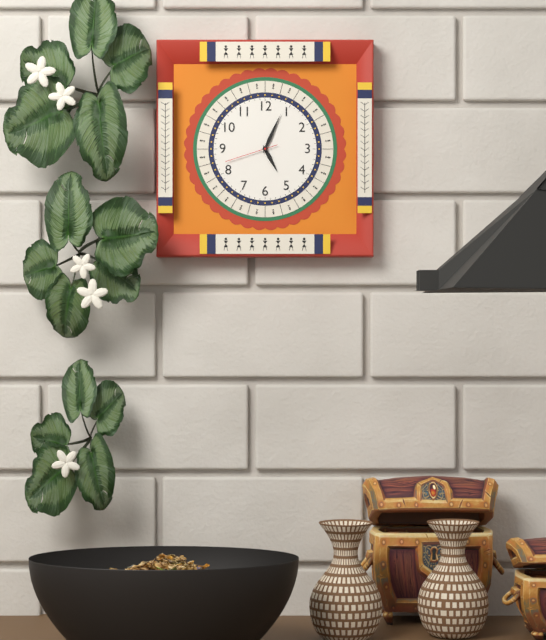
5,04,42
